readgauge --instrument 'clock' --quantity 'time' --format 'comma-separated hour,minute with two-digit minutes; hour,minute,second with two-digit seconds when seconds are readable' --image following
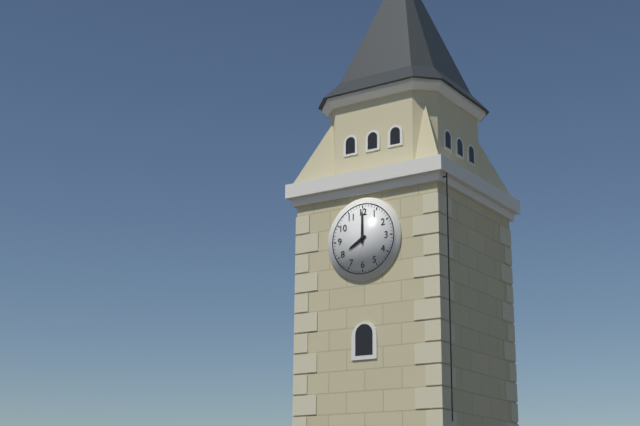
8,00
